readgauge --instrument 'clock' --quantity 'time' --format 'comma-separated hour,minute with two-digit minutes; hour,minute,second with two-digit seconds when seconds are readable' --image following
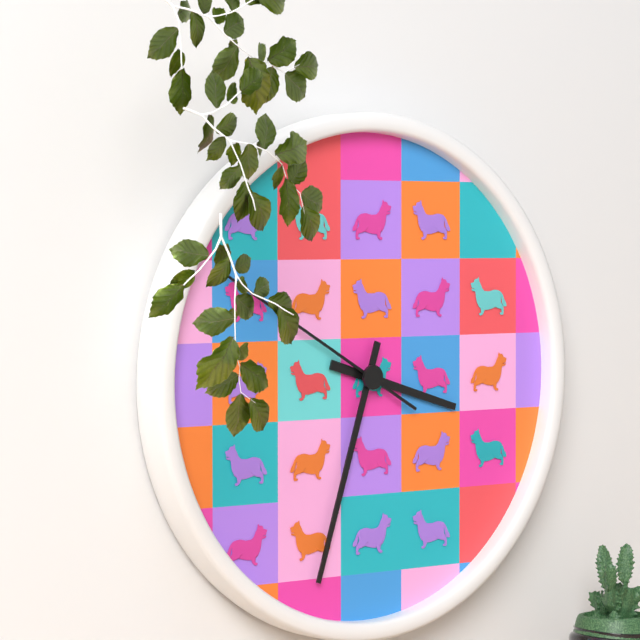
3,33,50
